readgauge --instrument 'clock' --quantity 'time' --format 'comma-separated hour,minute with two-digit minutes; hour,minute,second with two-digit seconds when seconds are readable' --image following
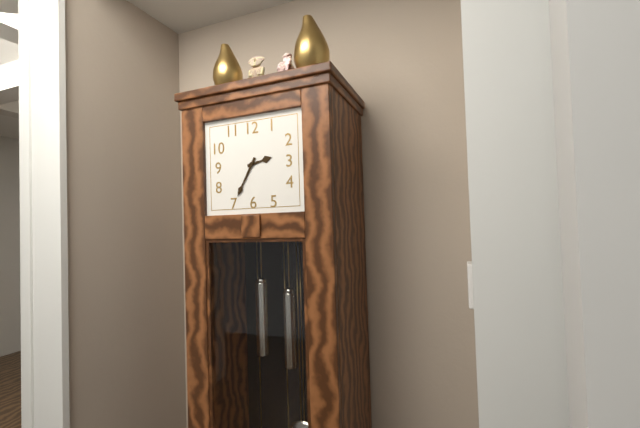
2,35
